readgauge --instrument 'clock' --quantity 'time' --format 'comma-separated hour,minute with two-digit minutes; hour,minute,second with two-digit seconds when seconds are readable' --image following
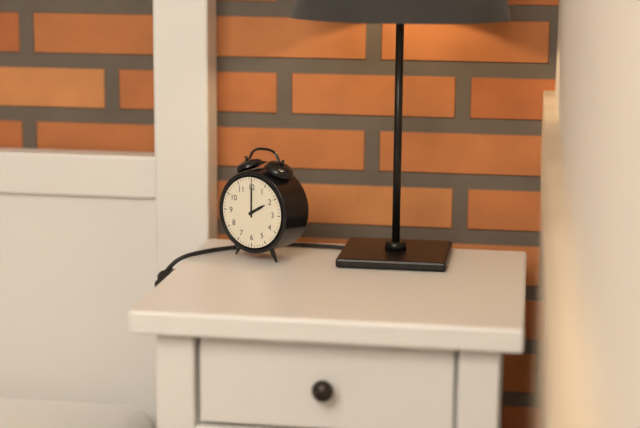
2,00
